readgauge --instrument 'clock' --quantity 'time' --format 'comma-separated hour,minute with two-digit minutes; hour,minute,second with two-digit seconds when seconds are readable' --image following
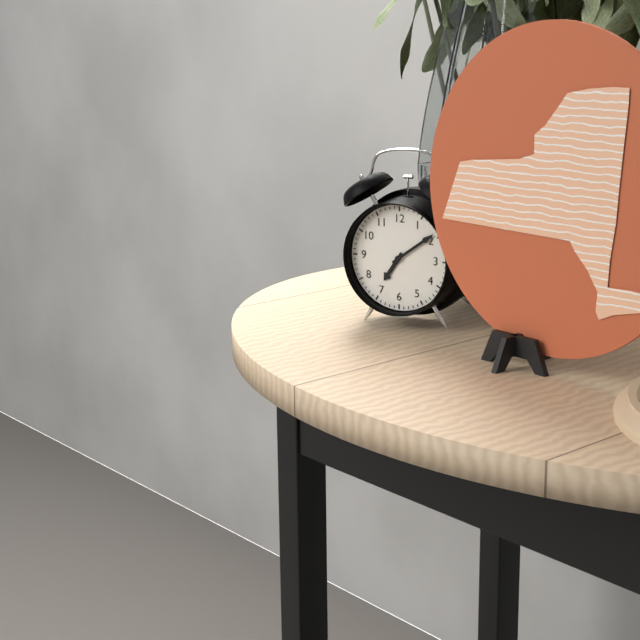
7,09
